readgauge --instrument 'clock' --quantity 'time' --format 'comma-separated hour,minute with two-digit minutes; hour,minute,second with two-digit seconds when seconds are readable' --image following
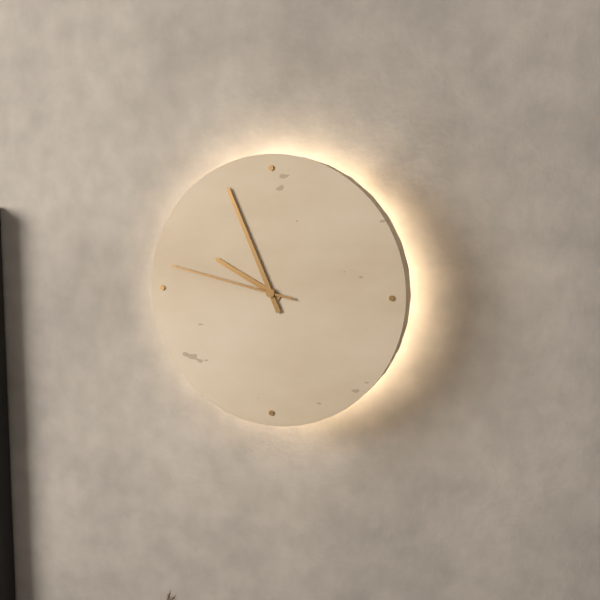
9,56,47
